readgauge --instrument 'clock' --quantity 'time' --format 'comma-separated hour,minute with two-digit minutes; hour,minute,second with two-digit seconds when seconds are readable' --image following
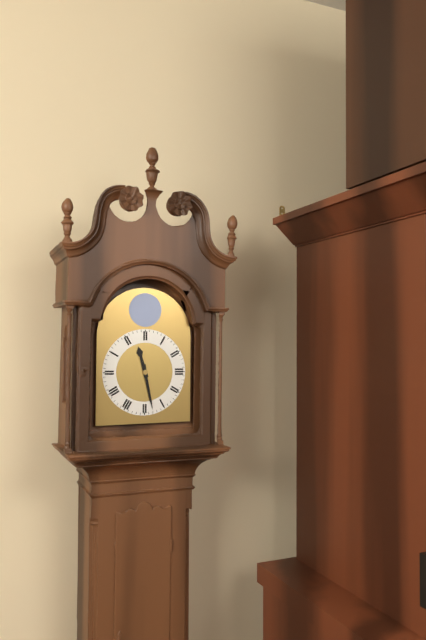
11,28
